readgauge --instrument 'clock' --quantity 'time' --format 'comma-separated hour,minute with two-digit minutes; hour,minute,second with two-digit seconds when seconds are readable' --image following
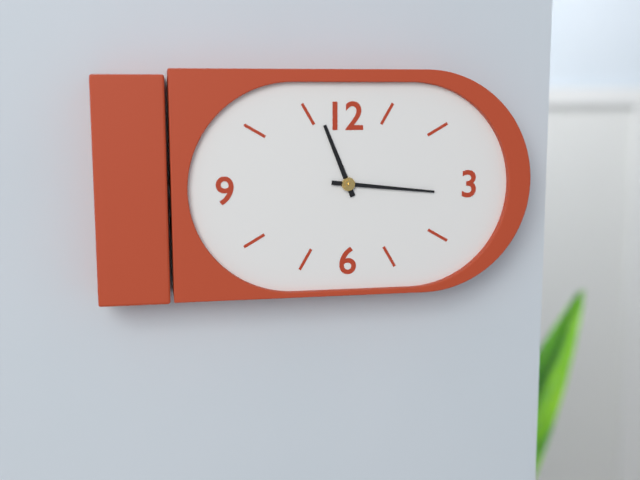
11,16
